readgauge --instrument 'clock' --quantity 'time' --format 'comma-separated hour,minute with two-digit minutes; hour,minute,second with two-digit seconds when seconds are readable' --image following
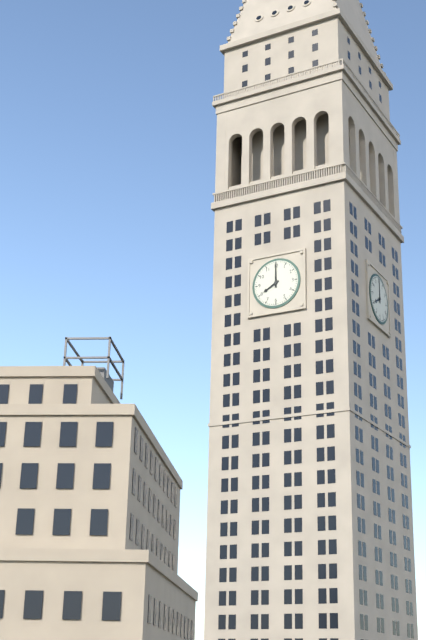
8,00
